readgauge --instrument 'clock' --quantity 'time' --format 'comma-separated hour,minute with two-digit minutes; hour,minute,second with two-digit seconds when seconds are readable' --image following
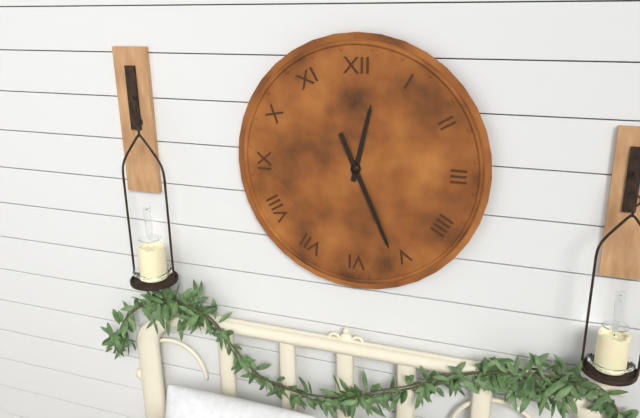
12,26
